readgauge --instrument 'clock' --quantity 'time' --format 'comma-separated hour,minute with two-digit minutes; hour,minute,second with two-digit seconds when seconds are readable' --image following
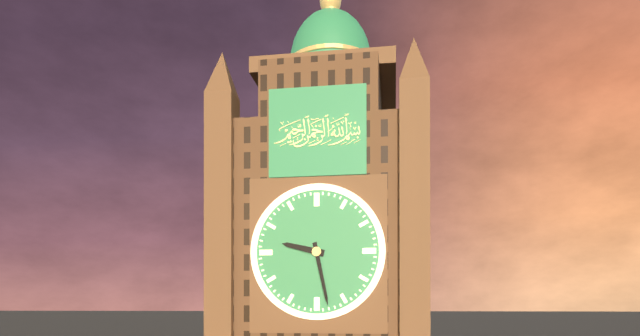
9,28
